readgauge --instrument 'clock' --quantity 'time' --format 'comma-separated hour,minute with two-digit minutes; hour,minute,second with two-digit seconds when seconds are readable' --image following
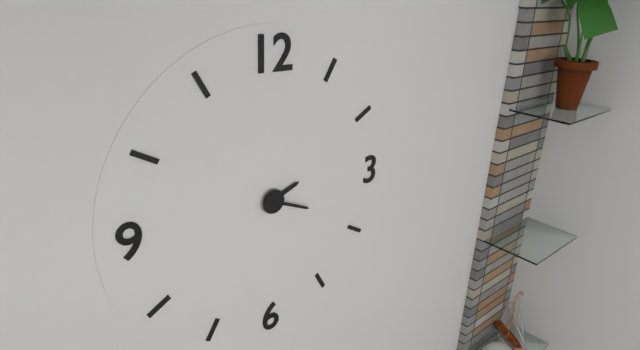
2,19
